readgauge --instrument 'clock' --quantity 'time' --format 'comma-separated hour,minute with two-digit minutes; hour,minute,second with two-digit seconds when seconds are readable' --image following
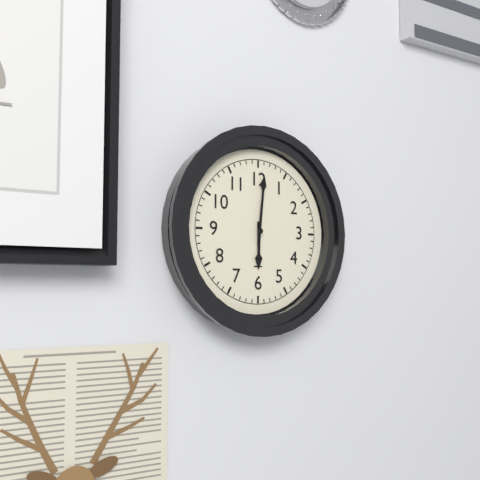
6,01
